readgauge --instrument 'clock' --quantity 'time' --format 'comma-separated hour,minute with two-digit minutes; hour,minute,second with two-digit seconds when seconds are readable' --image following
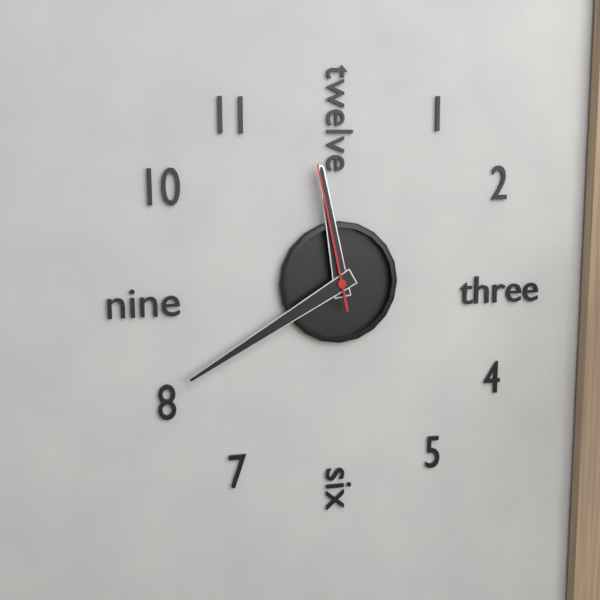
11,40,58
